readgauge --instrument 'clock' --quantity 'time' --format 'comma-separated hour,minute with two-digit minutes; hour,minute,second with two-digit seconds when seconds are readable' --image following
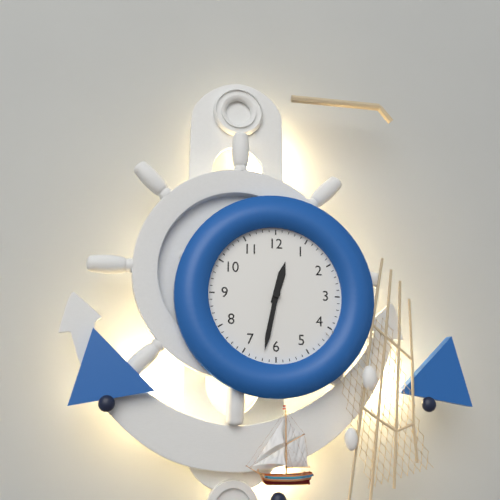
12,32
